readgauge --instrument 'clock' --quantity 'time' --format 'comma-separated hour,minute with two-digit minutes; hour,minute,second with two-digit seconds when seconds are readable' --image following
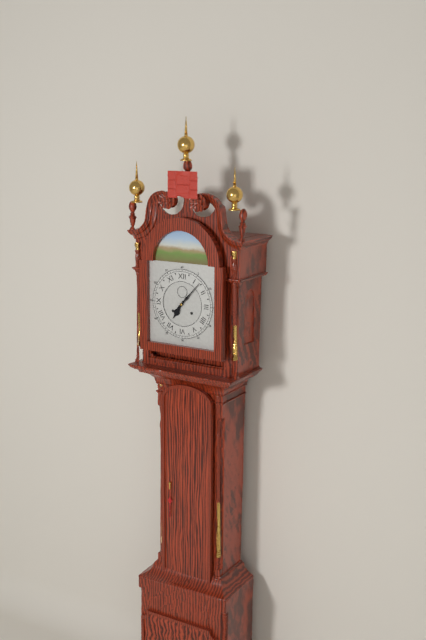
7,07
